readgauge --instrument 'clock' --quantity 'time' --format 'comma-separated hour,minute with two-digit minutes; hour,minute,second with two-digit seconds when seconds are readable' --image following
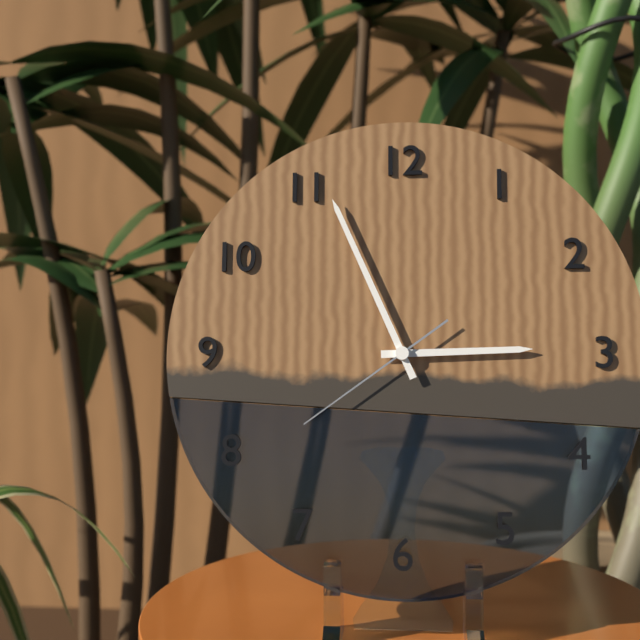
2,56,39
